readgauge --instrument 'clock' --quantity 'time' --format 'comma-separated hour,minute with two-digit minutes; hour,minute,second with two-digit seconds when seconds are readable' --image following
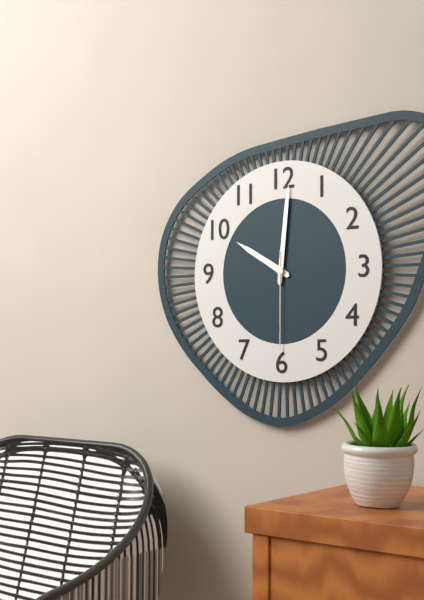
10,01,30
